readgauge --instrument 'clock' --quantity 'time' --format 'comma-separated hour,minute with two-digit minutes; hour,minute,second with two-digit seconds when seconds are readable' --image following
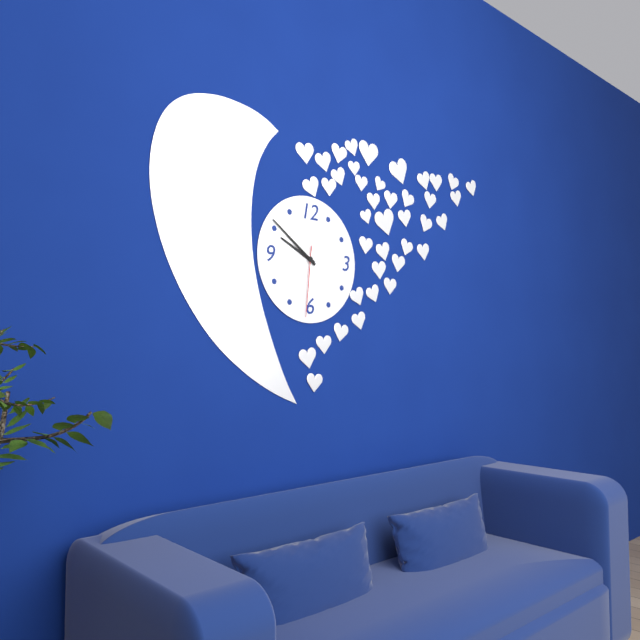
9,51,31
